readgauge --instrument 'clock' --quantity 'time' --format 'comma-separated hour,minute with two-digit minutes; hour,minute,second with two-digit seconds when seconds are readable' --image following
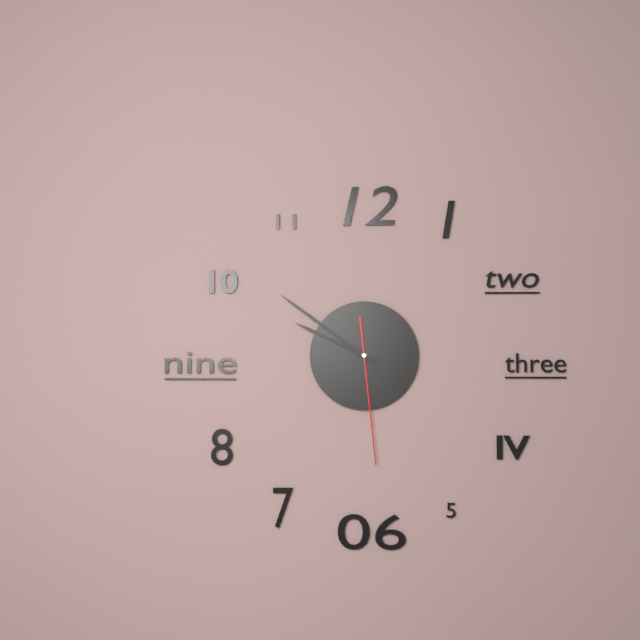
9,51,29
